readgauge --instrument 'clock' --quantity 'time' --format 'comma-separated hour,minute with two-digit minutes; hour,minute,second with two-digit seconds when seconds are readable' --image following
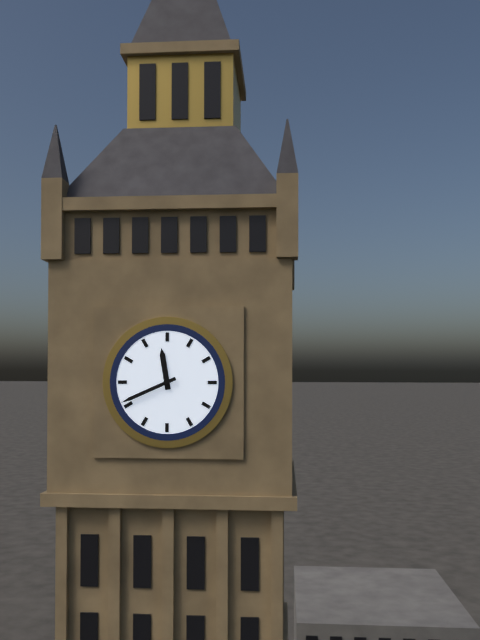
11,41
